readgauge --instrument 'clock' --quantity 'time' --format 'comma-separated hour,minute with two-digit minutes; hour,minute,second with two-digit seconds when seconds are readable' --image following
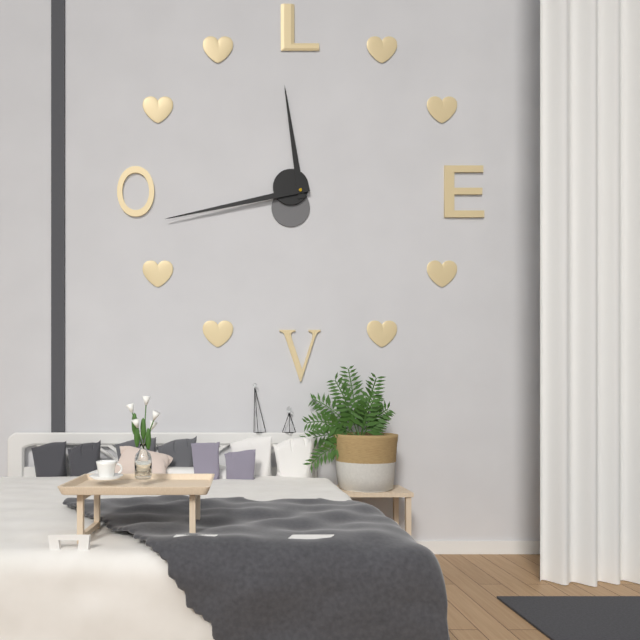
11,43
